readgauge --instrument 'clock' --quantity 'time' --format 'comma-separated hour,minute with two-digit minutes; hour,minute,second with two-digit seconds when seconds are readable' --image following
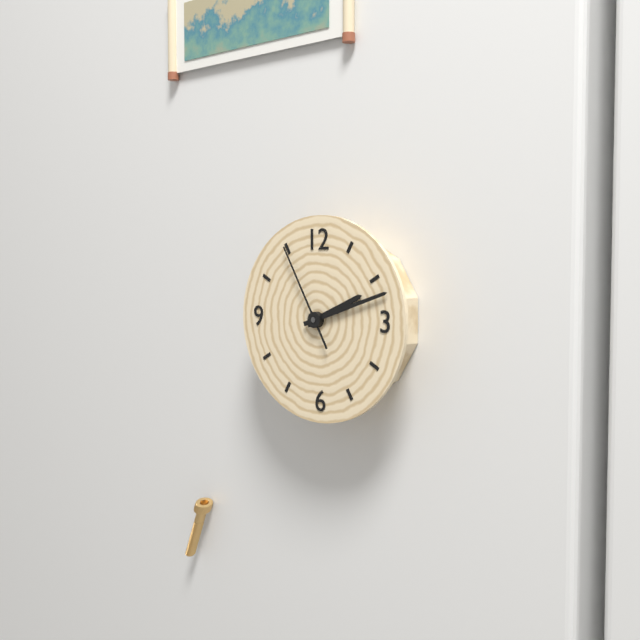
2,12,55
